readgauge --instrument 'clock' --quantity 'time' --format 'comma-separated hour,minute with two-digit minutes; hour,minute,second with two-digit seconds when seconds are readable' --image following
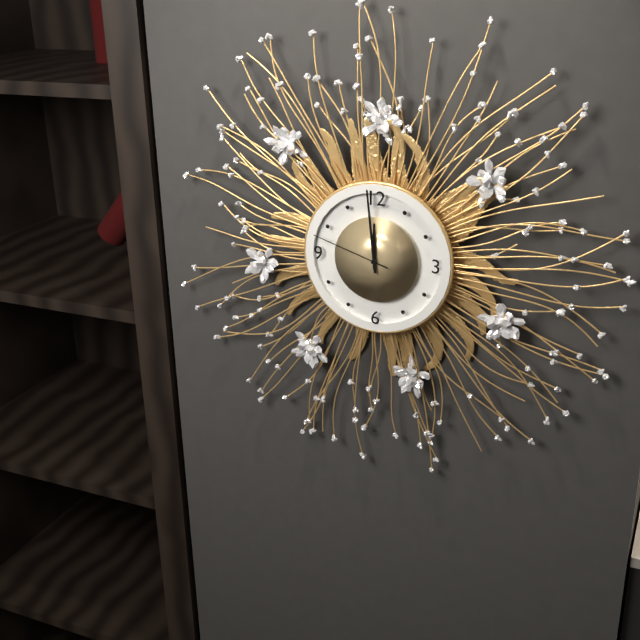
11,59,48
